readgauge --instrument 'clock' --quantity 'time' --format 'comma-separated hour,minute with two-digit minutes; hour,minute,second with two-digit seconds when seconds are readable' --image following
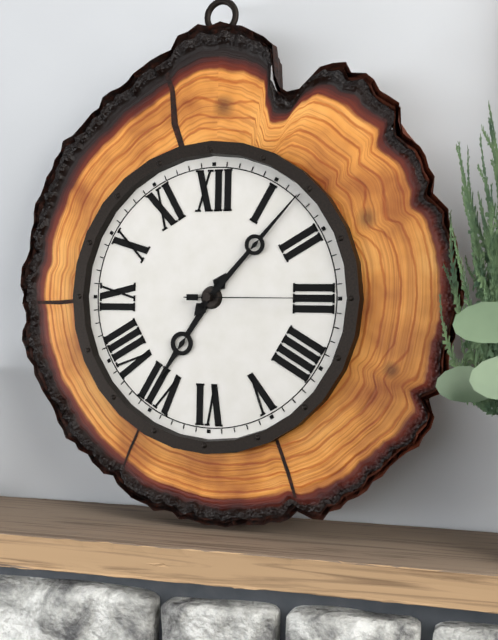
7,07,15
